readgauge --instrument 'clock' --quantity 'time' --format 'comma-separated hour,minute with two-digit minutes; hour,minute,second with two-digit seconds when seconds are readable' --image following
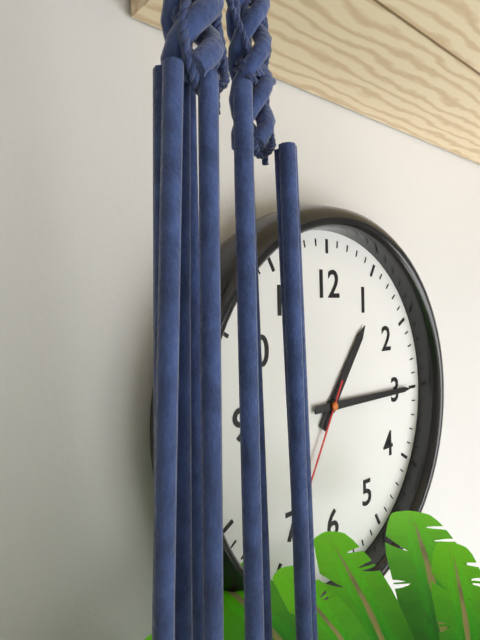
1,15,35
